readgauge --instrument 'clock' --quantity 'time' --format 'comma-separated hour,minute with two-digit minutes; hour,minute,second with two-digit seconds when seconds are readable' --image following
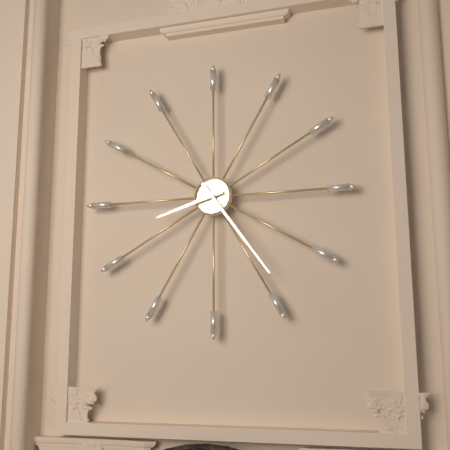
8,24
